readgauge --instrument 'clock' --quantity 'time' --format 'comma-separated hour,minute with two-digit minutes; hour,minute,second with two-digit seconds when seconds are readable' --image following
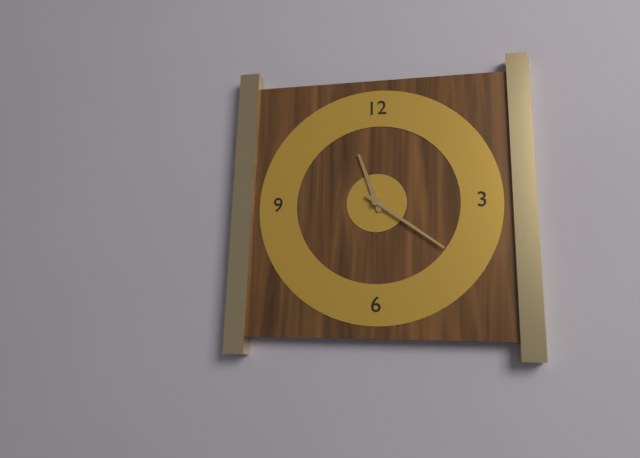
11,21
